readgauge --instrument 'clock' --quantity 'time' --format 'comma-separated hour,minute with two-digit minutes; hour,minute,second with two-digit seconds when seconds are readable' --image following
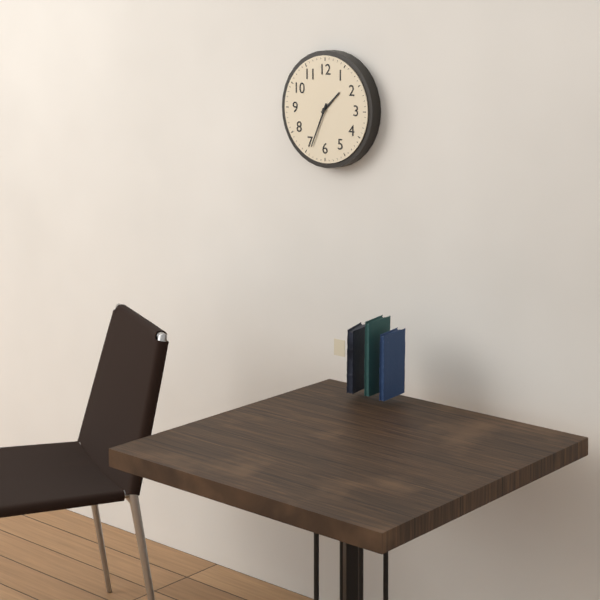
1,34
